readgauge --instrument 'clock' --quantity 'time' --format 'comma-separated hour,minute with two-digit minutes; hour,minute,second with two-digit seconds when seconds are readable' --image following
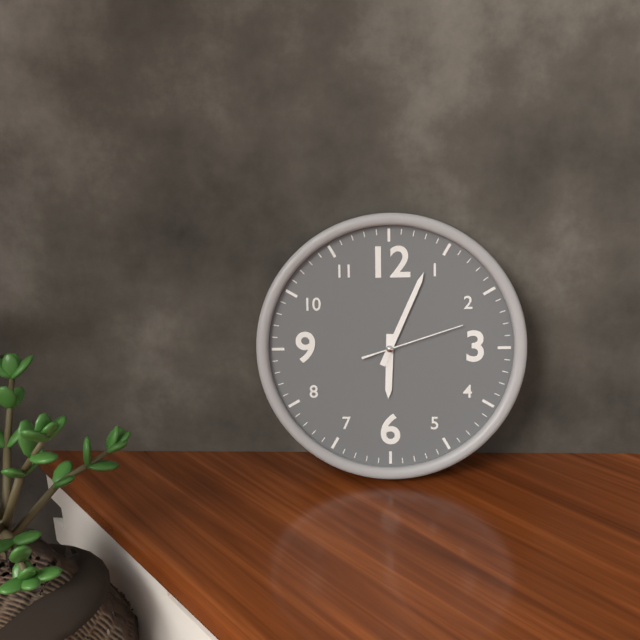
6,04,12
